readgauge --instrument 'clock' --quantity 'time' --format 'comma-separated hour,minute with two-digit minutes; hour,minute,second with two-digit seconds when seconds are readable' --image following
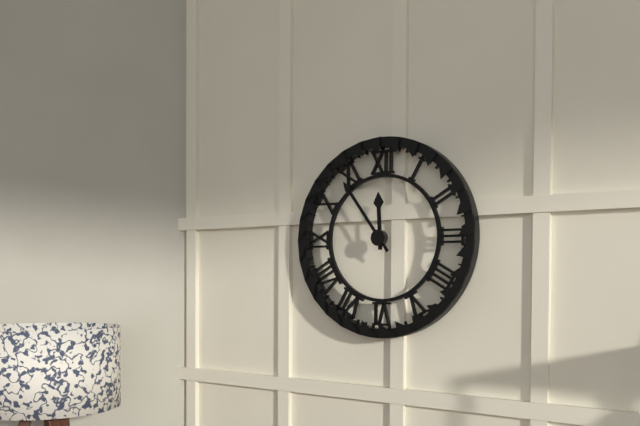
11,54
